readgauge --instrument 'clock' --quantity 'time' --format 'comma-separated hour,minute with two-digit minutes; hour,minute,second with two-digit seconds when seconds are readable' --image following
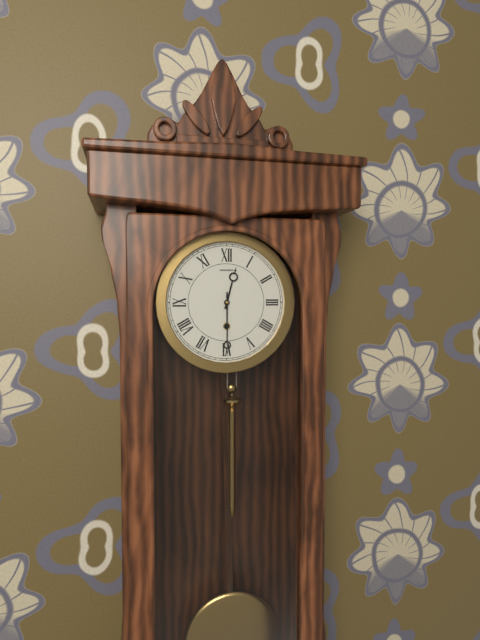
12,30
